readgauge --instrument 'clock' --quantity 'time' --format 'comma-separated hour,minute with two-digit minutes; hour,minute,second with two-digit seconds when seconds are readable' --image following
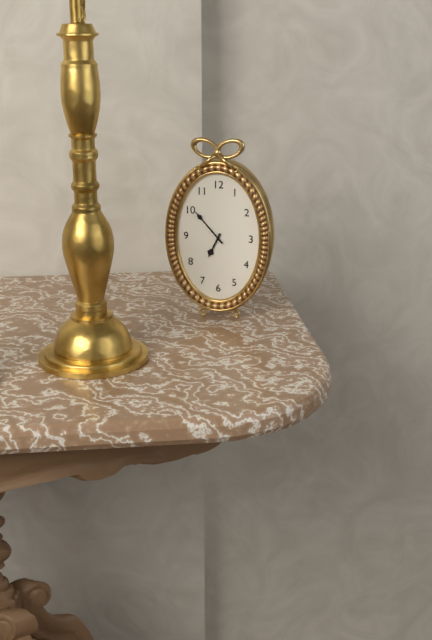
6,53
